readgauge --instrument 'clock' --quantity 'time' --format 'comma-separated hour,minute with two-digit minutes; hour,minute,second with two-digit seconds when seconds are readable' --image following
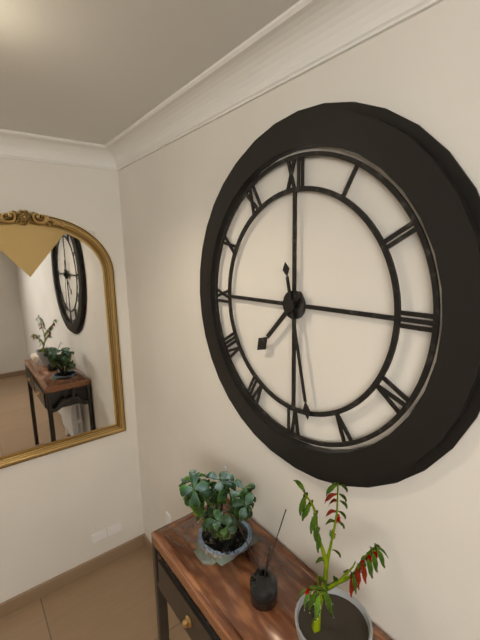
7,28
